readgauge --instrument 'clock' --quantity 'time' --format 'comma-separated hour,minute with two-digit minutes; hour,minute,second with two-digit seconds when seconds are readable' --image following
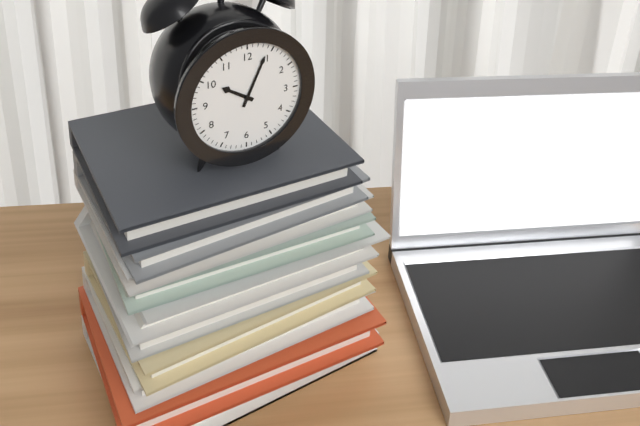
10,04
